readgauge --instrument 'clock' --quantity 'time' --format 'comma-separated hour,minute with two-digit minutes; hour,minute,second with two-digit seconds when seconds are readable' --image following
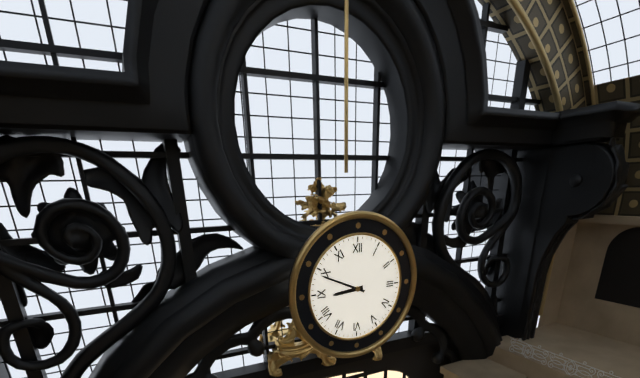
8,49
